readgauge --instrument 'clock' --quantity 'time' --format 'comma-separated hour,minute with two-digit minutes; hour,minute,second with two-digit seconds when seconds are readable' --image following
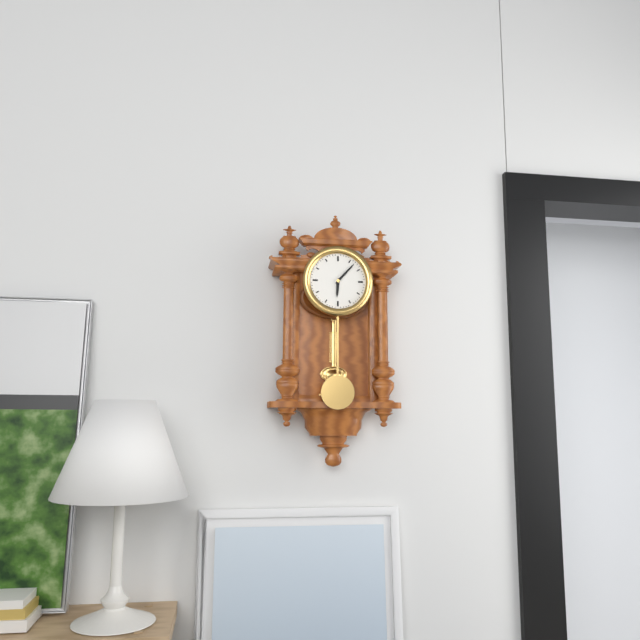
6,07
